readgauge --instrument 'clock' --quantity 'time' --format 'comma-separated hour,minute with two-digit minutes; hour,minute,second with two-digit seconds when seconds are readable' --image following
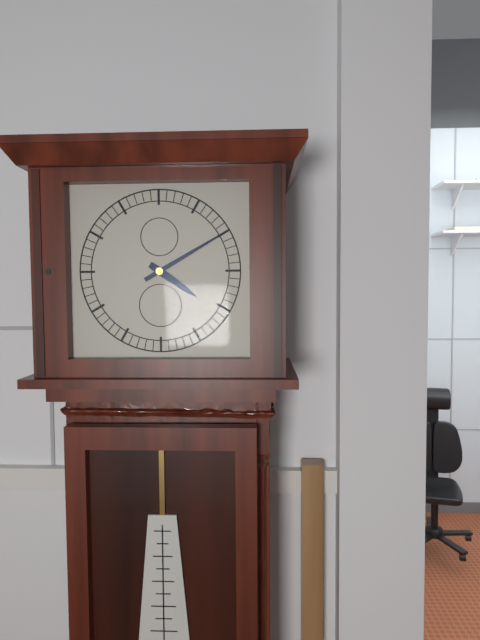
4,10
